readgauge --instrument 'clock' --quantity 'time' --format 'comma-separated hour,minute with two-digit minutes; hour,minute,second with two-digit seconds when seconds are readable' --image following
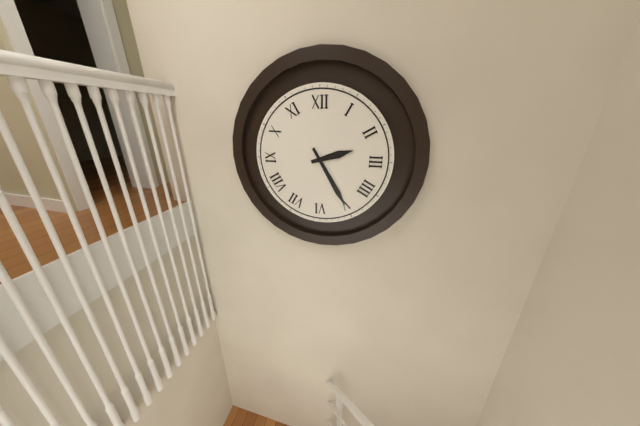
2,25
